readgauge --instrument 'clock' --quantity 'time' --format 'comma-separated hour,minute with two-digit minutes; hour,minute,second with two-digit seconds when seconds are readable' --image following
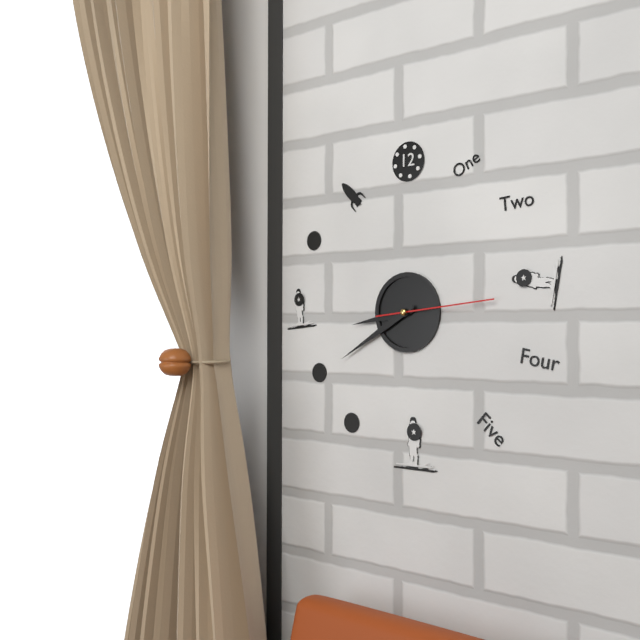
8,40,14
